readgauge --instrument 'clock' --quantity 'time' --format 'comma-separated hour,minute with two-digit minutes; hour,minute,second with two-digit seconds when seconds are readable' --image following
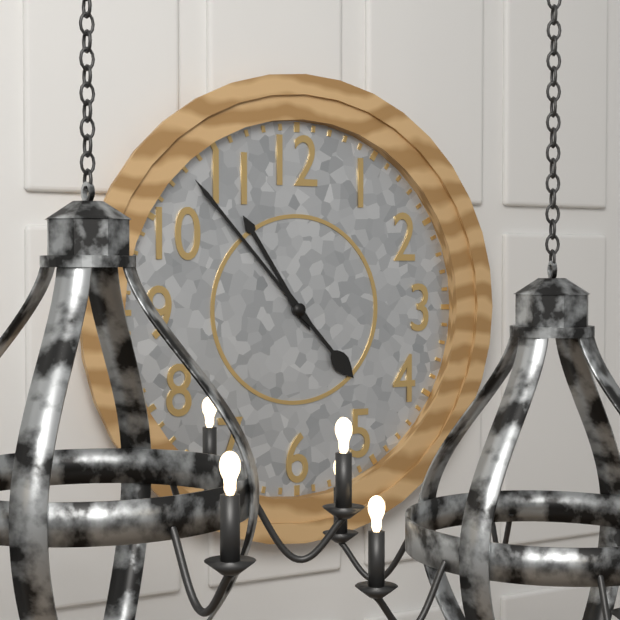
10,53
